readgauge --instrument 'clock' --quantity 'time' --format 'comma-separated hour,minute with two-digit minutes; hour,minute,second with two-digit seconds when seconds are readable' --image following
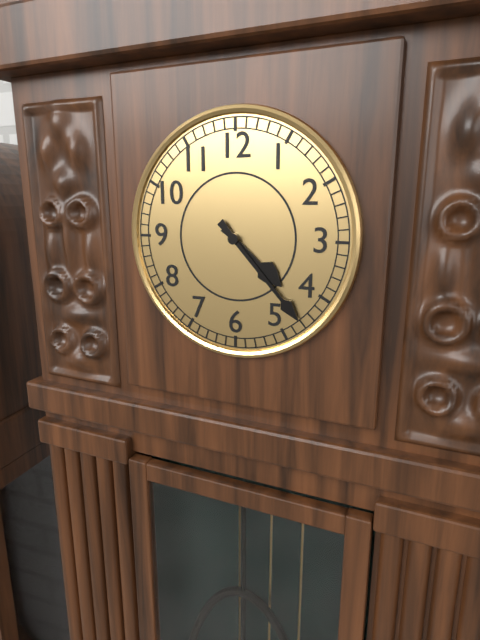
4,23
